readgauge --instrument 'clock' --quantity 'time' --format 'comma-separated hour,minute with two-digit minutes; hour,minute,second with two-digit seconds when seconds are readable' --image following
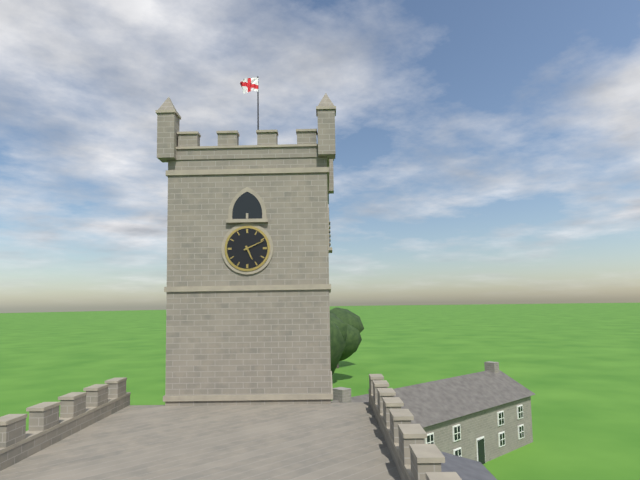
5,11
